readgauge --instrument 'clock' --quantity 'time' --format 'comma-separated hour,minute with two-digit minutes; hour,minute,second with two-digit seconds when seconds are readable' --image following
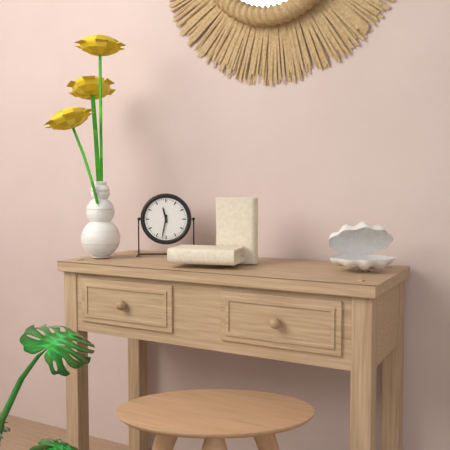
11,32
